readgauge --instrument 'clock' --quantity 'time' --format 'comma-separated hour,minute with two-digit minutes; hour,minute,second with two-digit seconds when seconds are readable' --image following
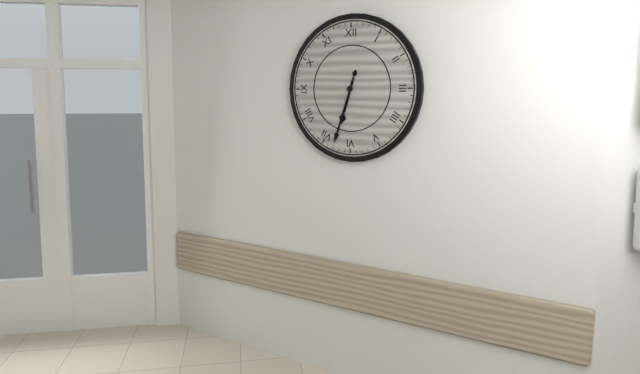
6,33
